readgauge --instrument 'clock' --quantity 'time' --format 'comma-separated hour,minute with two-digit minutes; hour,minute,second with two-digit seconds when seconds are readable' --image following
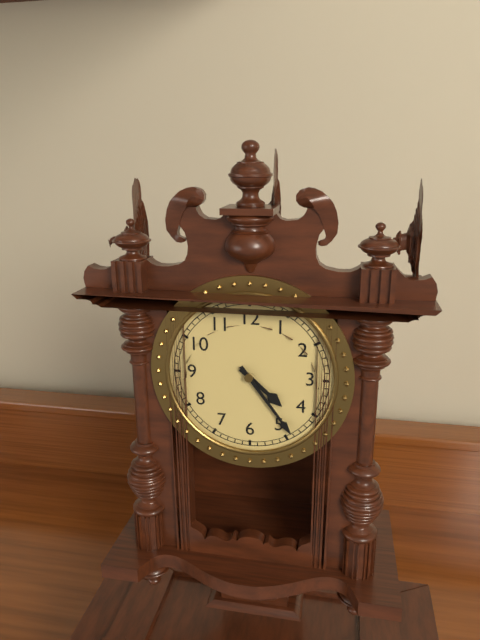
4,24
